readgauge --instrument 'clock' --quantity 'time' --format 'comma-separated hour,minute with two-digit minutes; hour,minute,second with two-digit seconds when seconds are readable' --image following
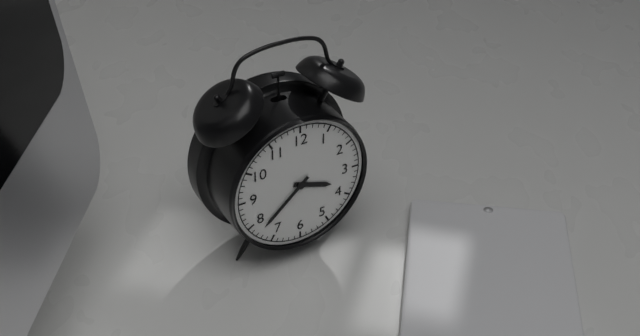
3,38
